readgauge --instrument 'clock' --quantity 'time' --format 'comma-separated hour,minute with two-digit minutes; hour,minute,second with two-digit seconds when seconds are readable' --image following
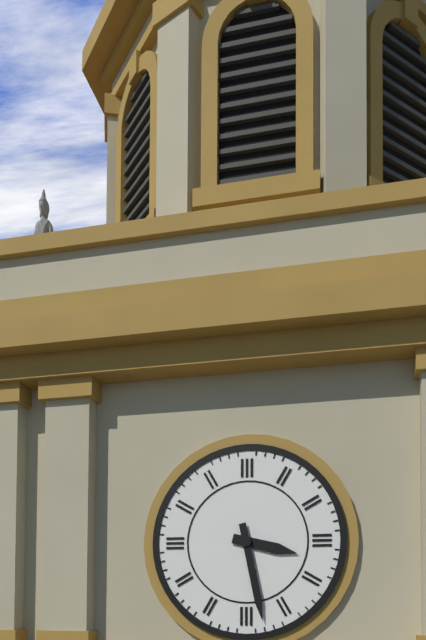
3,28
